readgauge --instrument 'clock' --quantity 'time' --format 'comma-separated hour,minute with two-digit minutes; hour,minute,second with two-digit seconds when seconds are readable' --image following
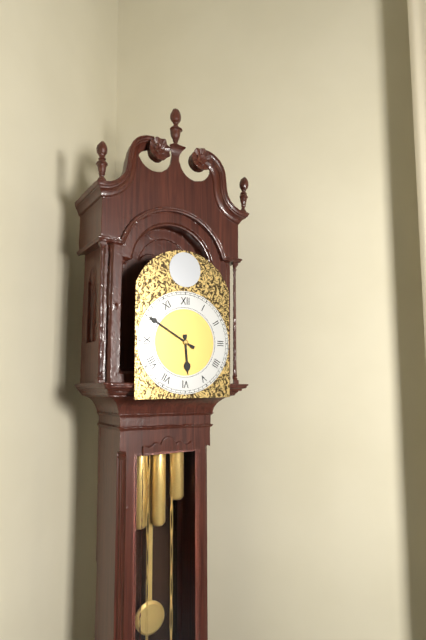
5,50
